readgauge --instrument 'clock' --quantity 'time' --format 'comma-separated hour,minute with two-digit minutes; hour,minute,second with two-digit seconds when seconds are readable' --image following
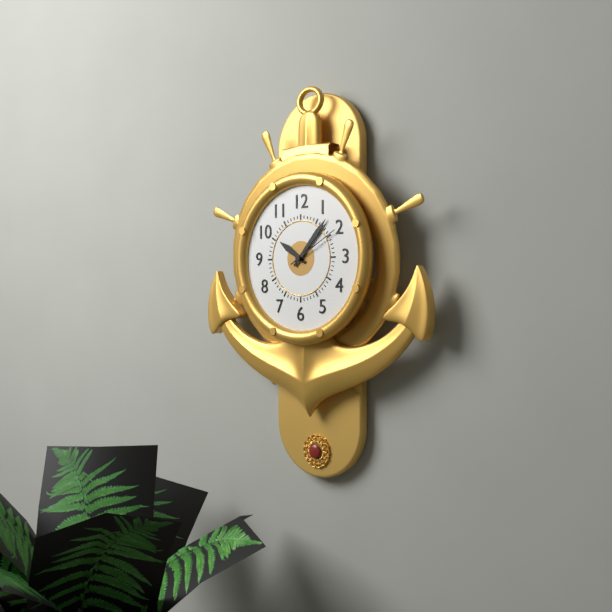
10,07,10
